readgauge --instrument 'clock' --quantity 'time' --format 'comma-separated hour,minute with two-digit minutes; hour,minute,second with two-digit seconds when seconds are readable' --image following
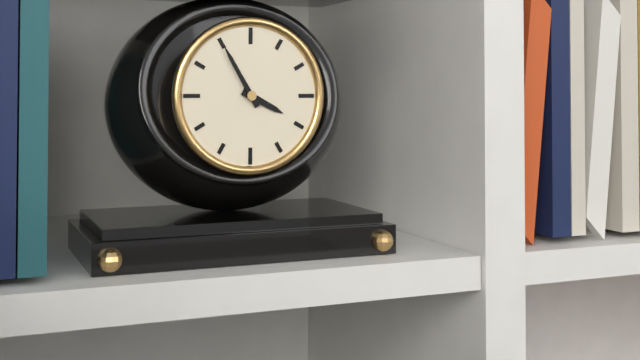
3,55
